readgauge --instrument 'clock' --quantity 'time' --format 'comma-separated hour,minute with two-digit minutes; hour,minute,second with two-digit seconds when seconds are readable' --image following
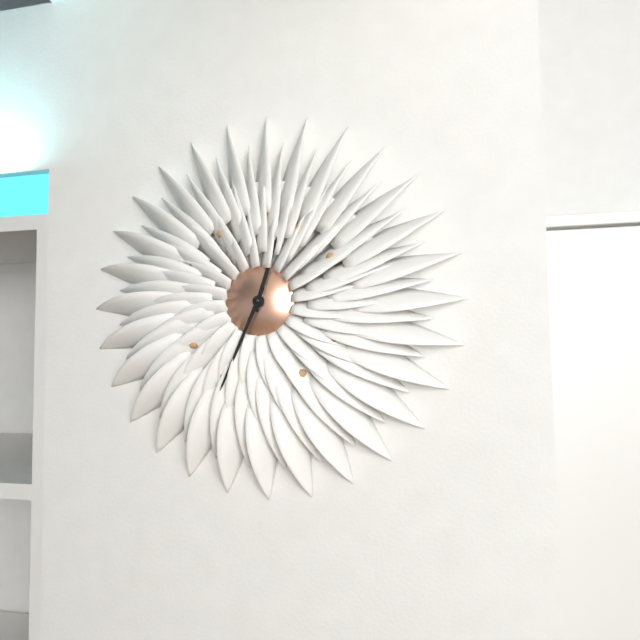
12,34
